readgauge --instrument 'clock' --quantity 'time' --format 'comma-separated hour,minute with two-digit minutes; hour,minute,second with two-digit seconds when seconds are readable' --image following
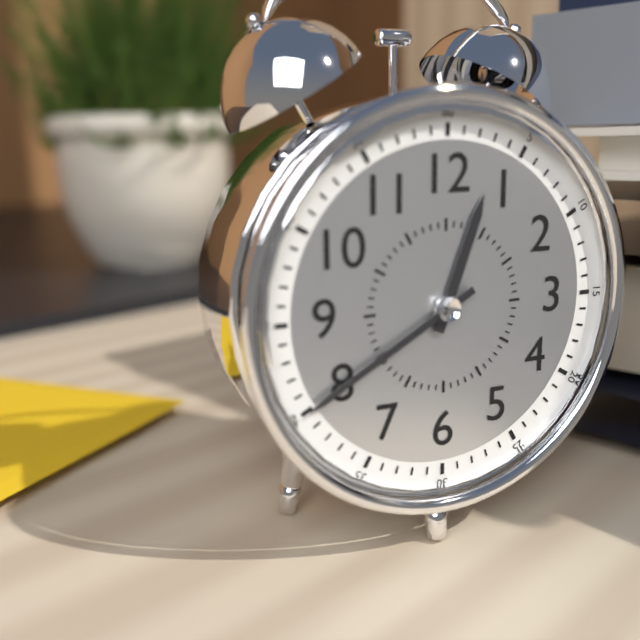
12,40
